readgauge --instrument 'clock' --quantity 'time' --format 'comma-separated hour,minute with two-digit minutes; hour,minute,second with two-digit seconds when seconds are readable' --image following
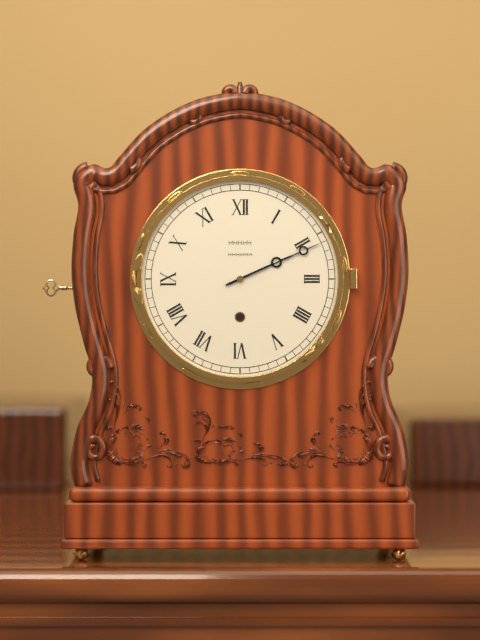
2,11
